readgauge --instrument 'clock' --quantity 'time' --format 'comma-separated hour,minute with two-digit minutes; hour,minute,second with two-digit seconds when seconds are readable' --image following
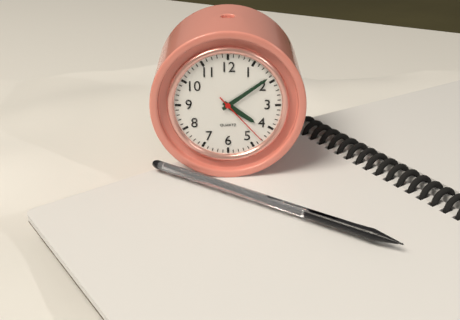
4,09,23
